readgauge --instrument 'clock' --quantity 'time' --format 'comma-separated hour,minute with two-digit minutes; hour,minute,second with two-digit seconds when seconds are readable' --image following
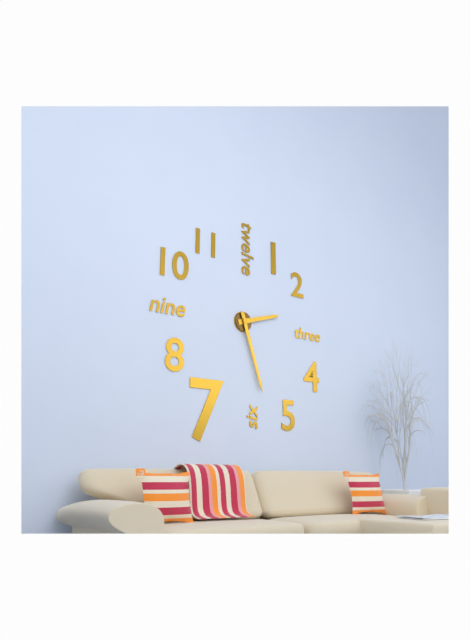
2,27
